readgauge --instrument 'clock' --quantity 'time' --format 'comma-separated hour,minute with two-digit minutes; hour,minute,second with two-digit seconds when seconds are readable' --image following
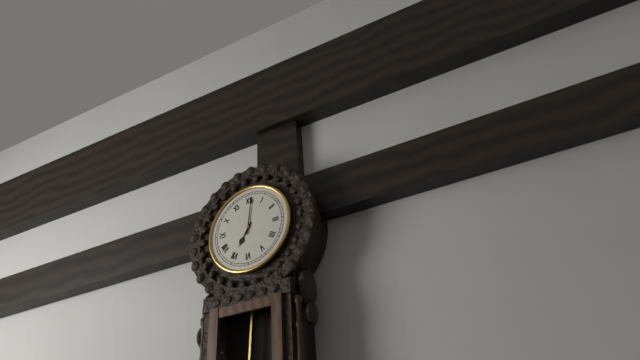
7,01
